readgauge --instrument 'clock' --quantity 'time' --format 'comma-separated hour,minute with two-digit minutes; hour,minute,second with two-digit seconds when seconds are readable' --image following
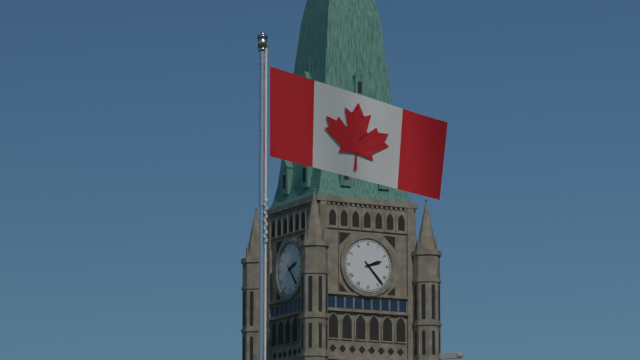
2,23
